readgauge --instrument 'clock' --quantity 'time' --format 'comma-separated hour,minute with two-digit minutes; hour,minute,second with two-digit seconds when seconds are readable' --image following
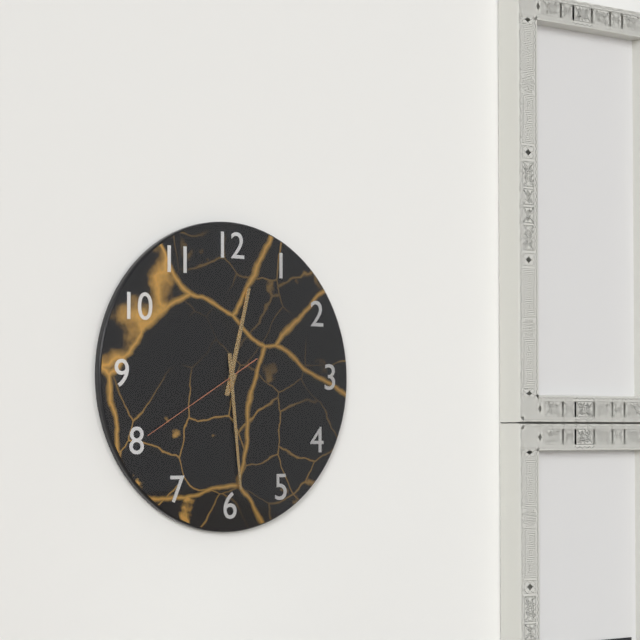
12,29,40
